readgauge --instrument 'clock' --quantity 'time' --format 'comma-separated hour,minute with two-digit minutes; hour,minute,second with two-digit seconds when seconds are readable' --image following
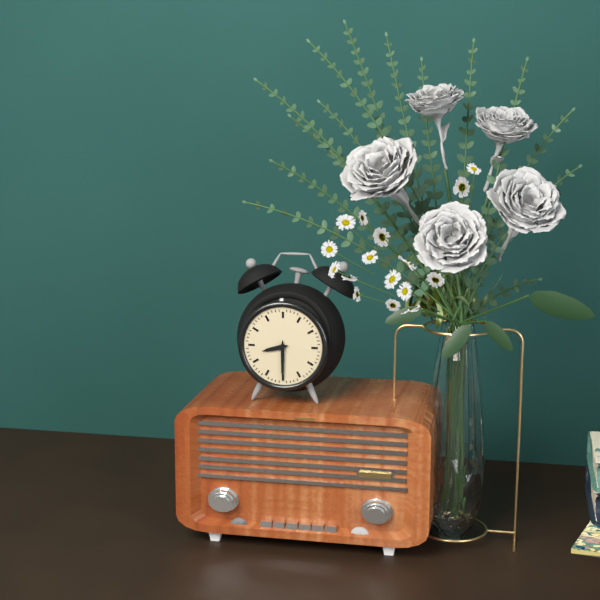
8,30
